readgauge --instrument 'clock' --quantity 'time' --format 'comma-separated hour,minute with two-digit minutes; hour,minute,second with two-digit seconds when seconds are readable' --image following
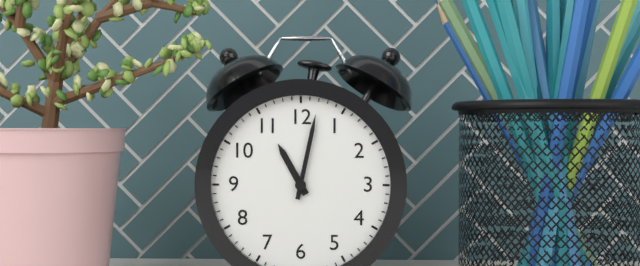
11,02
